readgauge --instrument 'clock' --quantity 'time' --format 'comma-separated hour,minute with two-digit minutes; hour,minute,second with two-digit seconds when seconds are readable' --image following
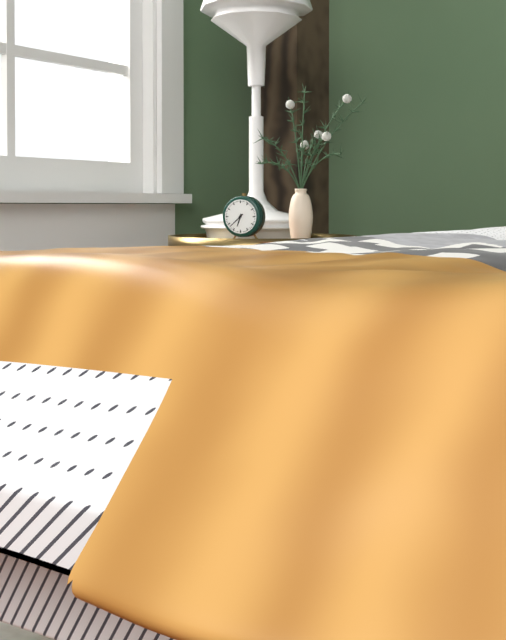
6,38
